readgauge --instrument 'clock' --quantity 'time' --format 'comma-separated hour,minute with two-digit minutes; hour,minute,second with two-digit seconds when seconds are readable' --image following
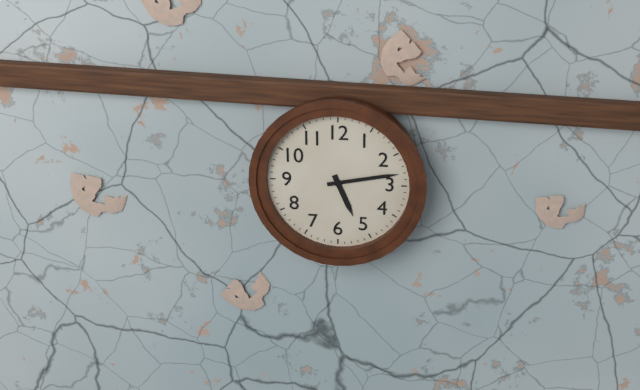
5,13
